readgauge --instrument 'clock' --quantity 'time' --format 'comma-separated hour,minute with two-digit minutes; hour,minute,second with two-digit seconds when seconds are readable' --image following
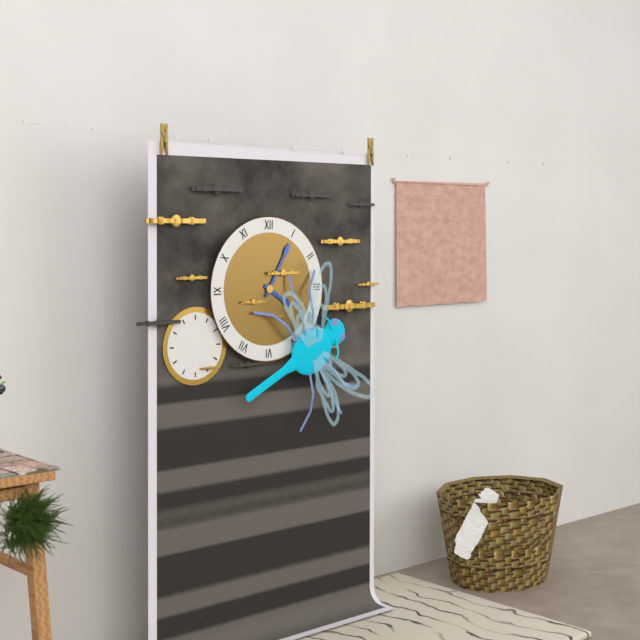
4,05
